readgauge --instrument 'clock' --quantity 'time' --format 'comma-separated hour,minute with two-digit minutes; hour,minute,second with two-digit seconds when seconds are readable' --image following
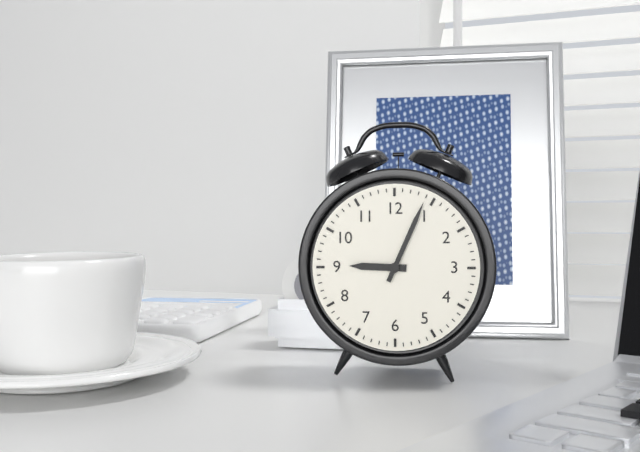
9,04
